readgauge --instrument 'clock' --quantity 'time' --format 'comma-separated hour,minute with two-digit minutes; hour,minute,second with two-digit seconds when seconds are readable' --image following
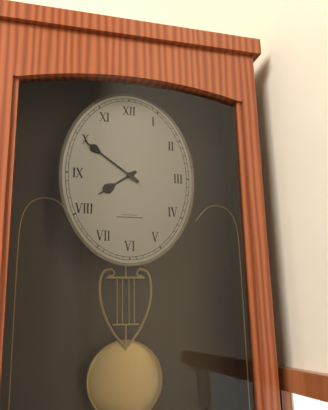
7,51
